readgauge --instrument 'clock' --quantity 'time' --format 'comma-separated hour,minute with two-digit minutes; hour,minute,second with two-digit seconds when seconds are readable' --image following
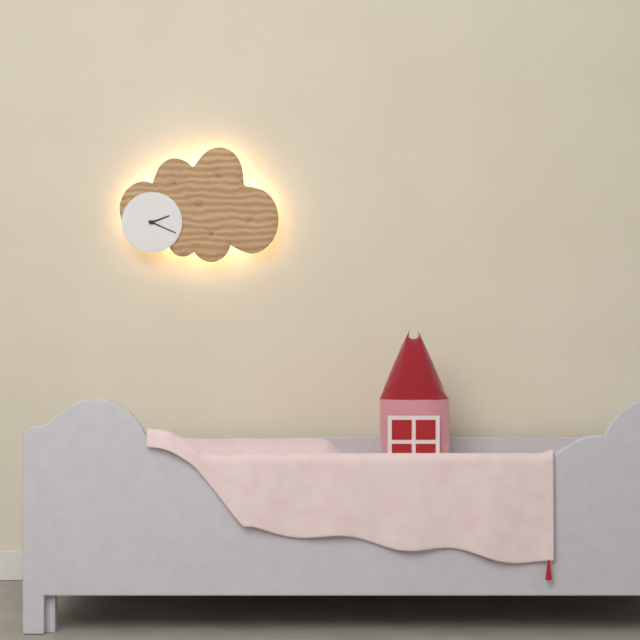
2,19
